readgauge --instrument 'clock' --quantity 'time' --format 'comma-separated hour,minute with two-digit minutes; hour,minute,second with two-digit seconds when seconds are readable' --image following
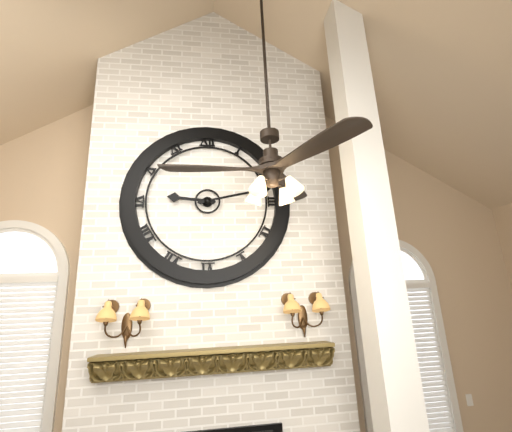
9,13
